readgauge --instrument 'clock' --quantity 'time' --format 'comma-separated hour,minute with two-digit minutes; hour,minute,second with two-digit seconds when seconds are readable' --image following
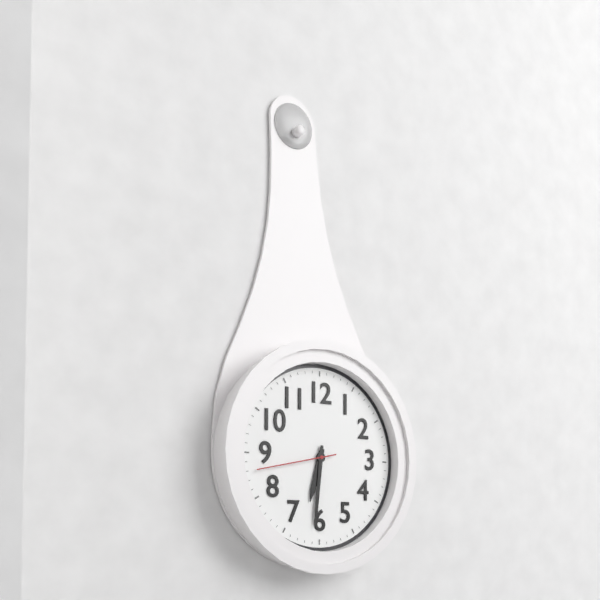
6,31,43
